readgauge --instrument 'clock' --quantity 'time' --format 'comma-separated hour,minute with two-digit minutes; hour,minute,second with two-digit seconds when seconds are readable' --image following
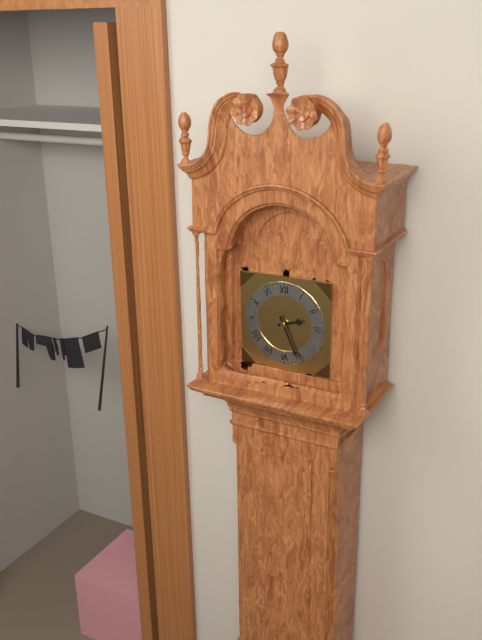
2,26
